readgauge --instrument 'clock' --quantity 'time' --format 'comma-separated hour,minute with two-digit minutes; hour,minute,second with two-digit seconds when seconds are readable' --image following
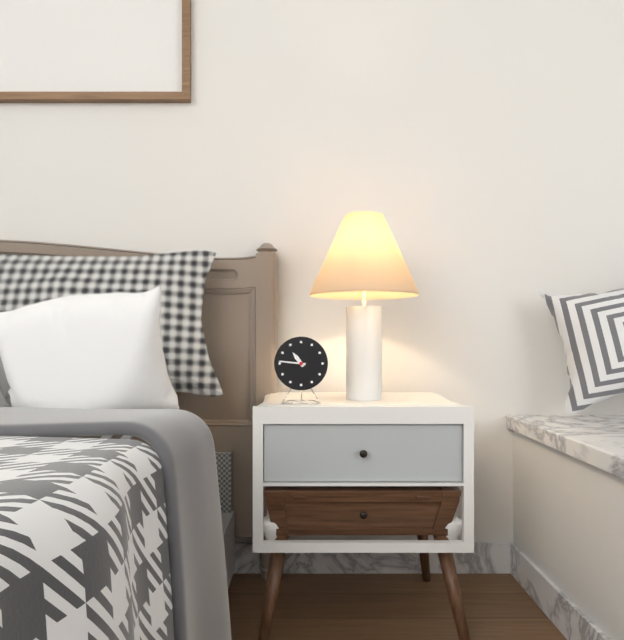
10,46
